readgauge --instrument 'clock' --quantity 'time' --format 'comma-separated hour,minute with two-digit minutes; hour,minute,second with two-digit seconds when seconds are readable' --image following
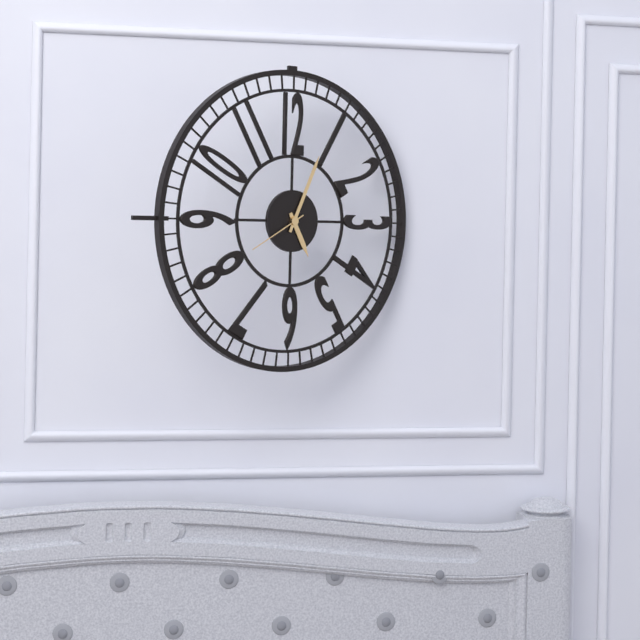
5,04,40
